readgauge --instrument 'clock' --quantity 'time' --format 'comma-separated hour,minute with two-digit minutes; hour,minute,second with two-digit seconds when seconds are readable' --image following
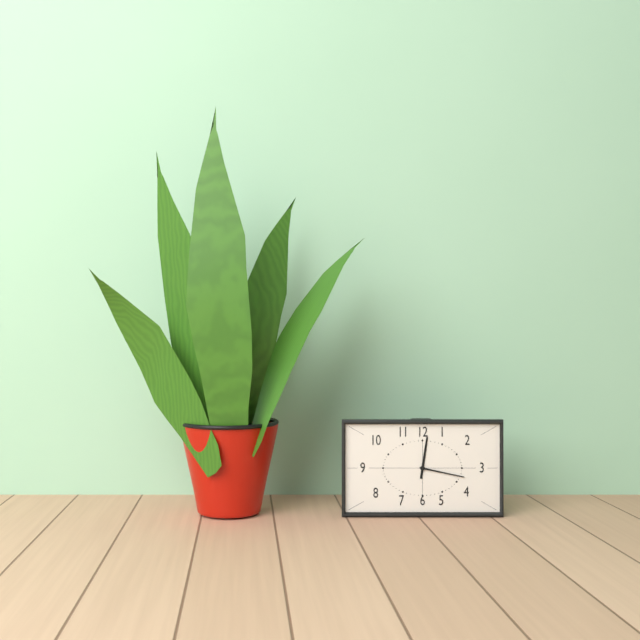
12,17
